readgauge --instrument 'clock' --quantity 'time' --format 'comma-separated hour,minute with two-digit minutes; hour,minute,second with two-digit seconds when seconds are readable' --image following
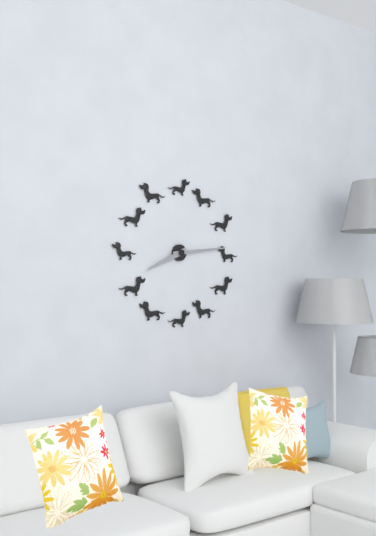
8,14
